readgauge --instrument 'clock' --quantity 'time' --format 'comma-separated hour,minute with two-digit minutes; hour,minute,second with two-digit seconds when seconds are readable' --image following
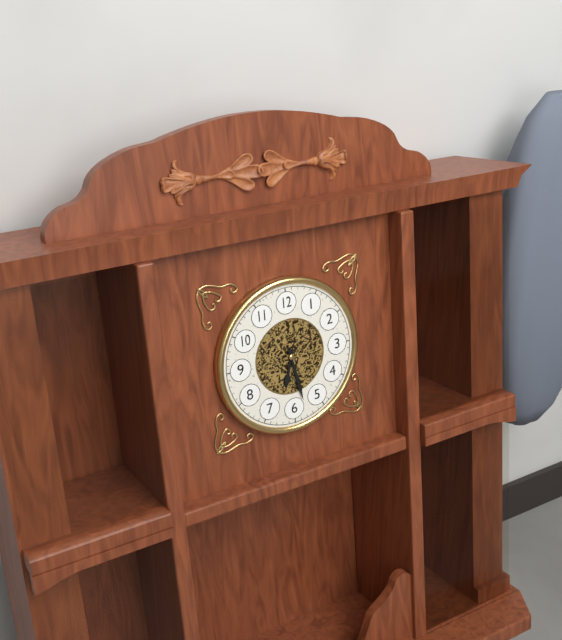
6,28
